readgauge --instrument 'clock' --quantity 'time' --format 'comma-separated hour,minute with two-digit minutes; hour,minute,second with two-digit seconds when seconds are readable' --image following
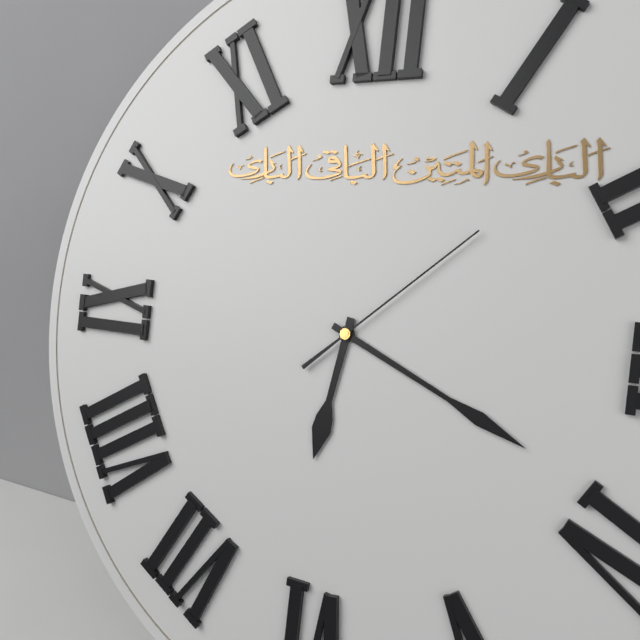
6,19,08
